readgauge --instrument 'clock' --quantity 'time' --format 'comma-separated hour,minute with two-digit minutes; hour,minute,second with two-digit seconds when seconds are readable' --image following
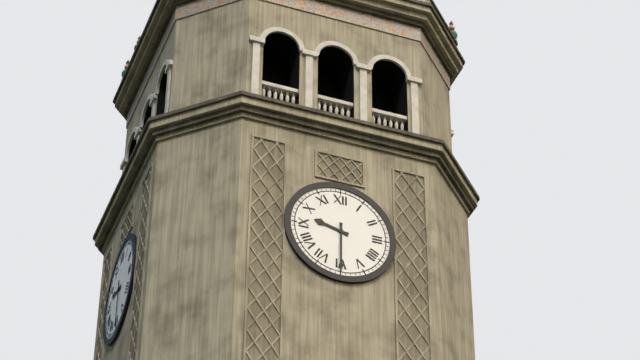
9,30
